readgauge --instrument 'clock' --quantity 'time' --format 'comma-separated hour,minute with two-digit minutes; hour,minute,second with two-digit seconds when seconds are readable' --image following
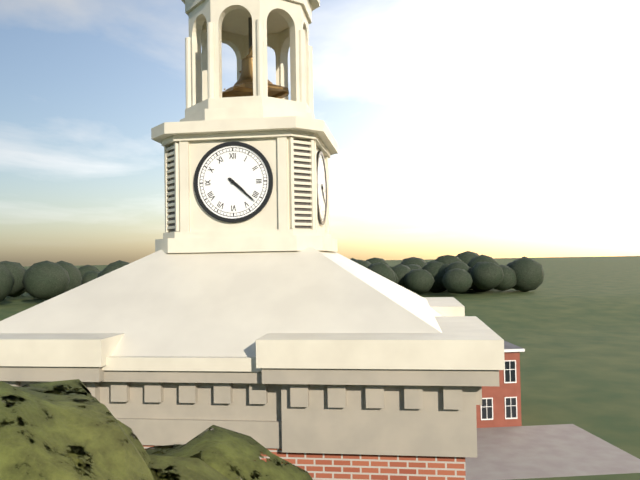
4,22
